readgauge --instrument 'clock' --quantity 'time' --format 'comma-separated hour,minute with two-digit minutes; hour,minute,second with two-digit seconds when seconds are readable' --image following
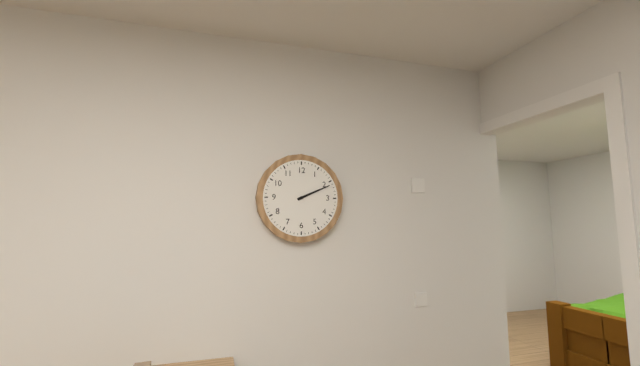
2,11
